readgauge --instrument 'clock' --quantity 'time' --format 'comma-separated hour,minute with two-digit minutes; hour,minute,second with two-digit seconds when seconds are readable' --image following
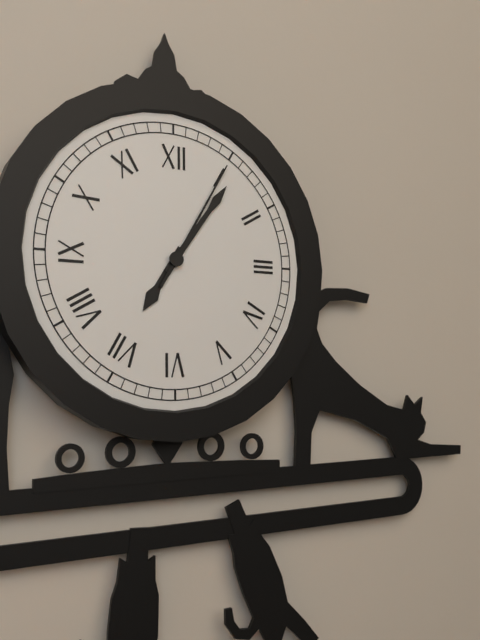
7,06,05
